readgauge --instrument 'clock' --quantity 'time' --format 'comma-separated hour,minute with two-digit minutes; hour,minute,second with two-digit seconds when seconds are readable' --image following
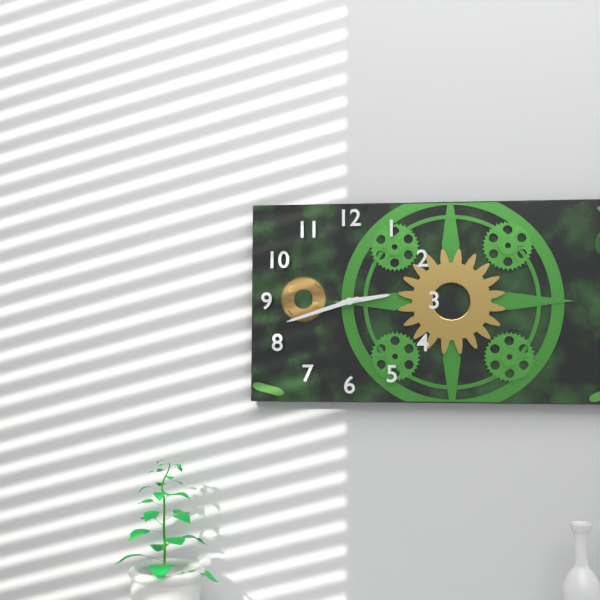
2,42
